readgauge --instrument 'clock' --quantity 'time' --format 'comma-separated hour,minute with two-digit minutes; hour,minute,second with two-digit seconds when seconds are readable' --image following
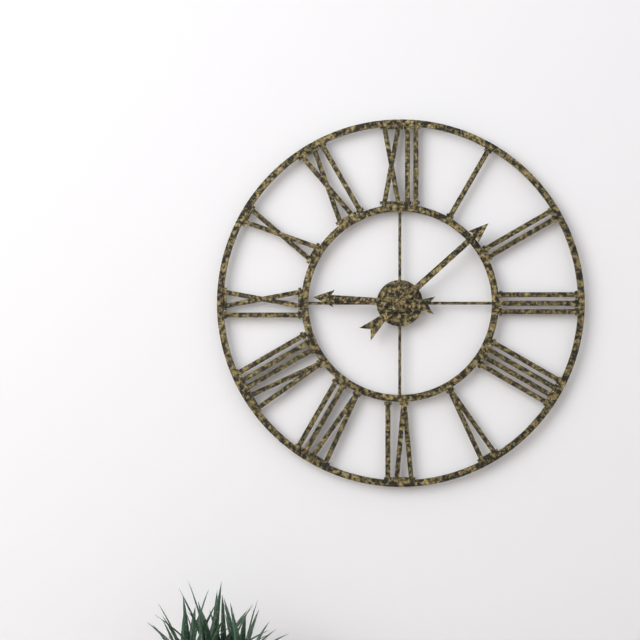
9,08
